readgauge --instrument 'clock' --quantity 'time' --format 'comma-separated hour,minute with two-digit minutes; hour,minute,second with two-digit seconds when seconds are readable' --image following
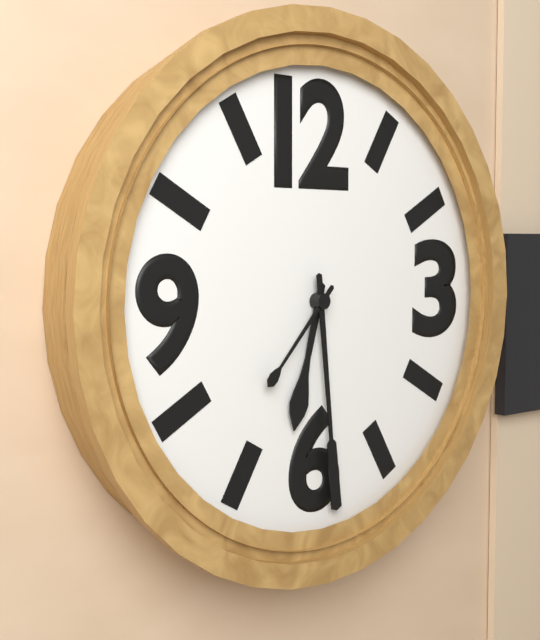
6,29,37
